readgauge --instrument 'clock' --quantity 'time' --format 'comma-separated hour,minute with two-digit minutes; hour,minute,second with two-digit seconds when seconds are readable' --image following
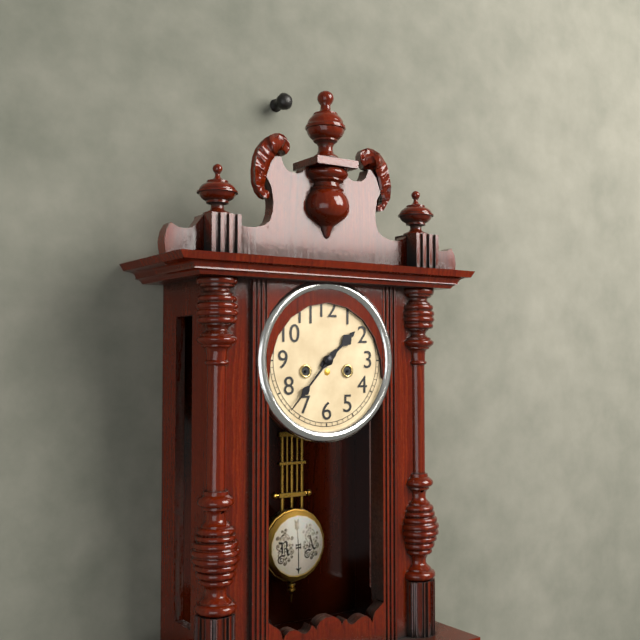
1,37
